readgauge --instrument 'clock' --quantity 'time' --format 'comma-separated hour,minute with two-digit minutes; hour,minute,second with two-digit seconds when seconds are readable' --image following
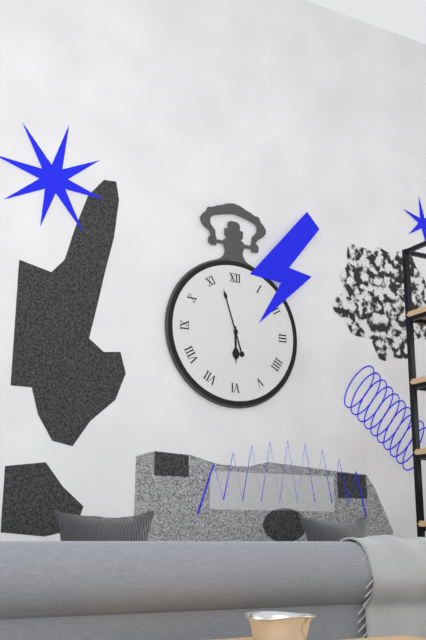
5,57
